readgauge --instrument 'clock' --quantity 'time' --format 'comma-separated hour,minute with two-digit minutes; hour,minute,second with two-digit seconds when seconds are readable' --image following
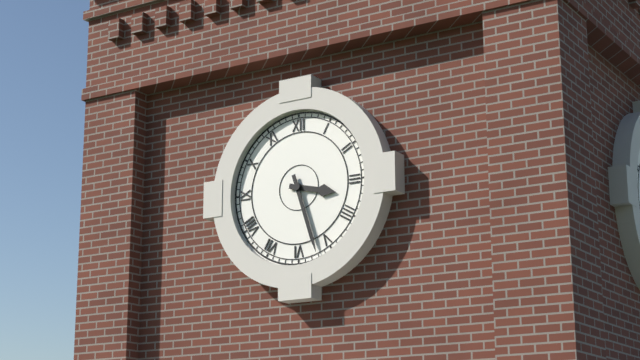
3,27
